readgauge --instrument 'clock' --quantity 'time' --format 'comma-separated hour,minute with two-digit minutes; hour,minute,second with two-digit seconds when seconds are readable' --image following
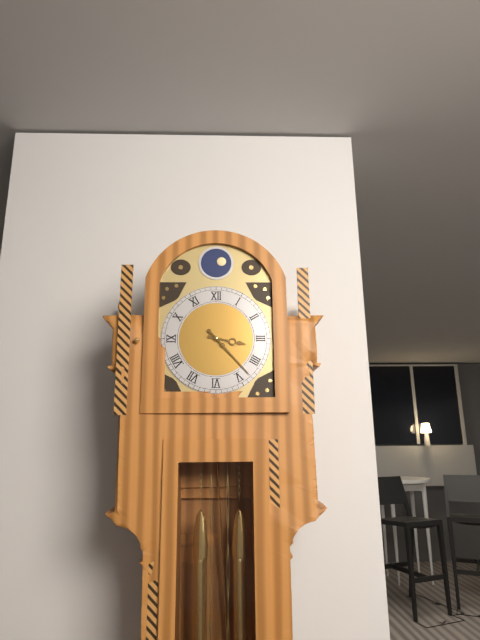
3,23
